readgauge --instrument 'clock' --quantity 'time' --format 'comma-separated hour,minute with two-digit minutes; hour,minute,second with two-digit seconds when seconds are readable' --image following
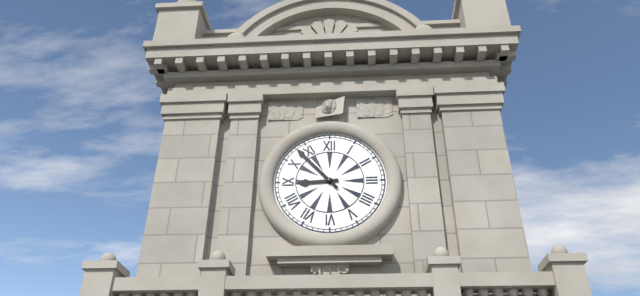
8,53
